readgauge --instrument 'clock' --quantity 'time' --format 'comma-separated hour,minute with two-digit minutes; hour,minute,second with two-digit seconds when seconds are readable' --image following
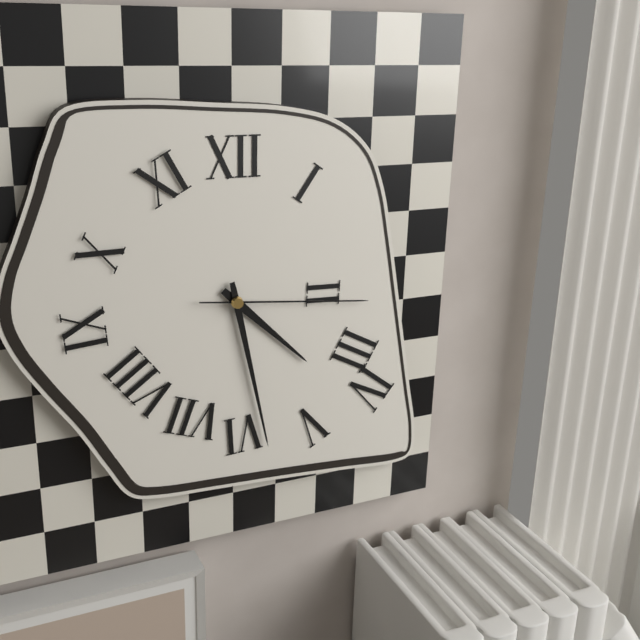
4,28,16
